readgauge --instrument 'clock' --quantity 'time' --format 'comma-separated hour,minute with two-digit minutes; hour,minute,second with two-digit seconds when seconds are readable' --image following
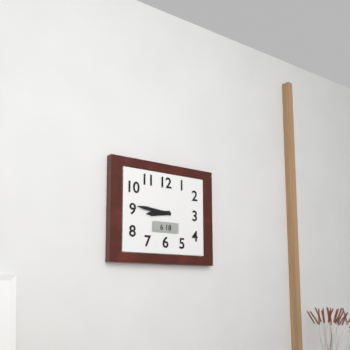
8,46
